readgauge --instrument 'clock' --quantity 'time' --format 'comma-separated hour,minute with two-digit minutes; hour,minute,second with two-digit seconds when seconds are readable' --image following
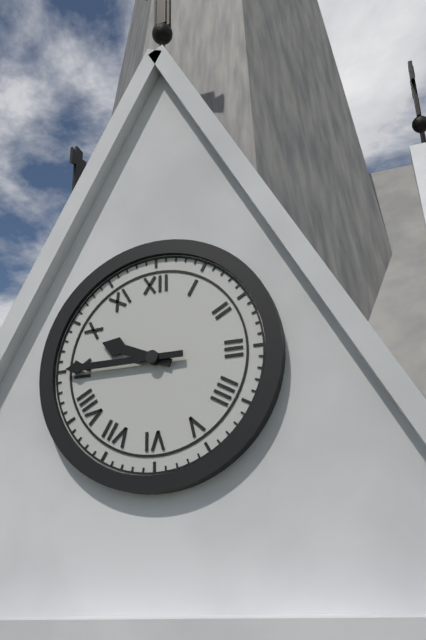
9,45
